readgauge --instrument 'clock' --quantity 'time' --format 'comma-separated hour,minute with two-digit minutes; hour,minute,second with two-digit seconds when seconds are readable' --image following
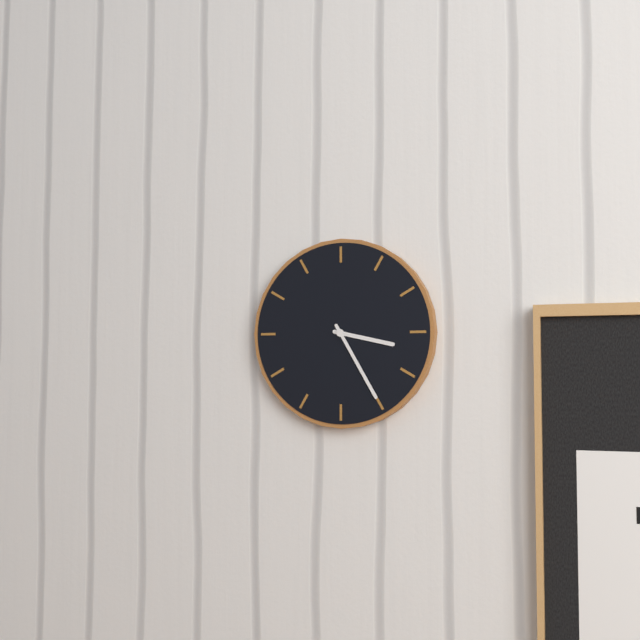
3,25
